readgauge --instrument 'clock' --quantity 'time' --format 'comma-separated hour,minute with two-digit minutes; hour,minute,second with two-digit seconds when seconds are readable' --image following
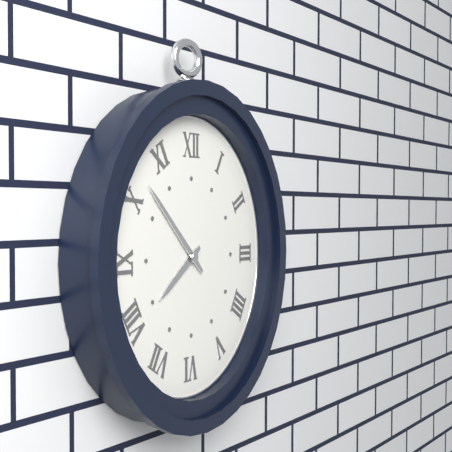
7,52
